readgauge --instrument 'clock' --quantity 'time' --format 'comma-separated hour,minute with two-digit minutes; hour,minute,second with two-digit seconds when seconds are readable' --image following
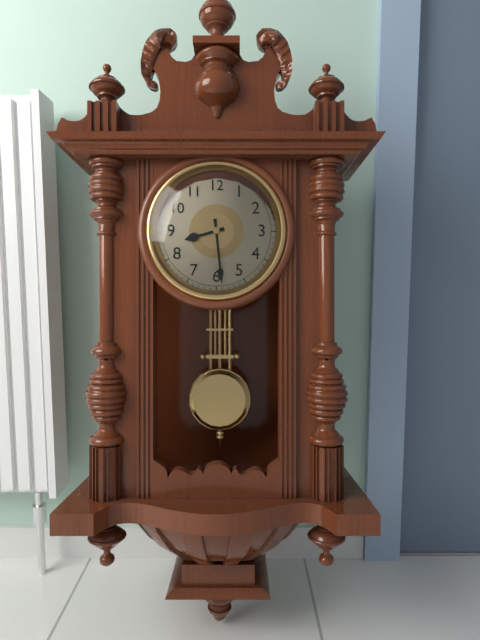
8,29
